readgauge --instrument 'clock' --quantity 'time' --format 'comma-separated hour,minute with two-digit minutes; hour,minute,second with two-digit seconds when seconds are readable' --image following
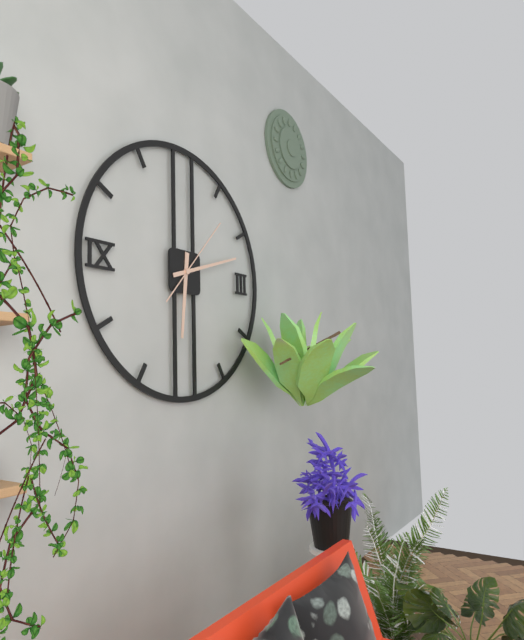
6,12,07
